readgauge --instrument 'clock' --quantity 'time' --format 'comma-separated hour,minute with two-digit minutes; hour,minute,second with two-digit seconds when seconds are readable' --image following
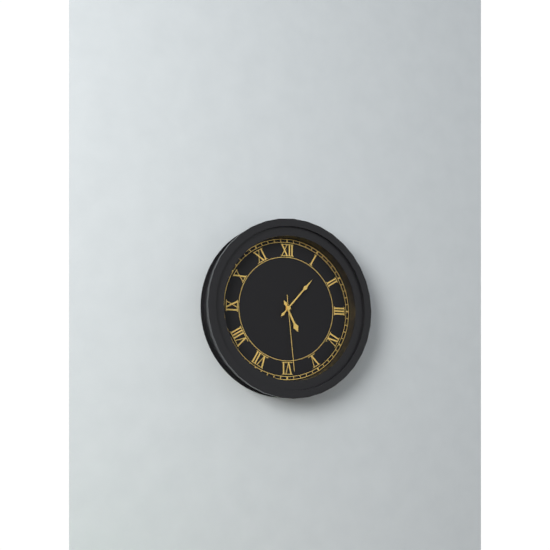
5,07,29
